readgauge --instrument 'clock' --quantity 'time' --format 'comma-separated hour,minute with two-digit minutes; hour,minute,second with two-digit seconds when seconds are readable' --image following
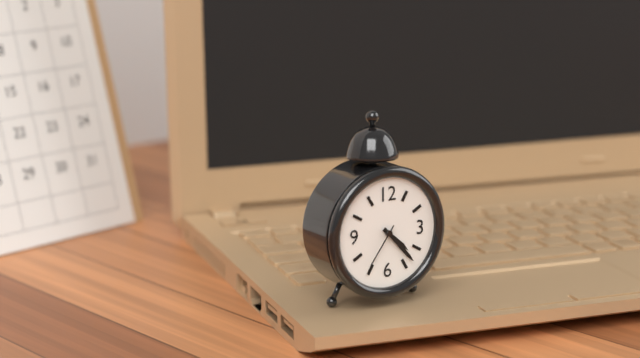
4,23
